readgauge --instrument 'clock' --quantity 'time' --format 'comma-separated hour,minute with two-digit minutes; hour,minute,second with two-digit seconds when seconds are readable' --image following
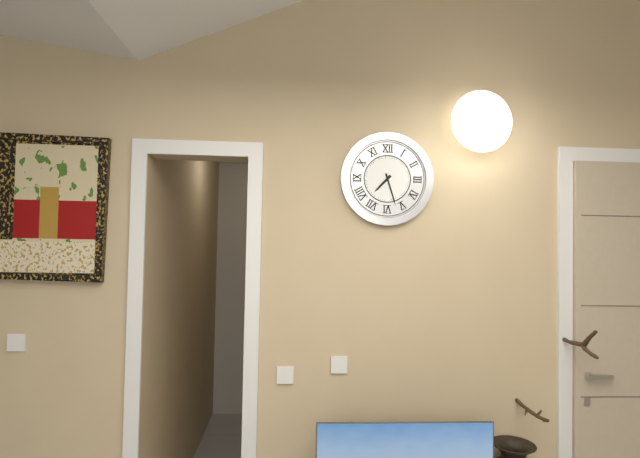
7,27
